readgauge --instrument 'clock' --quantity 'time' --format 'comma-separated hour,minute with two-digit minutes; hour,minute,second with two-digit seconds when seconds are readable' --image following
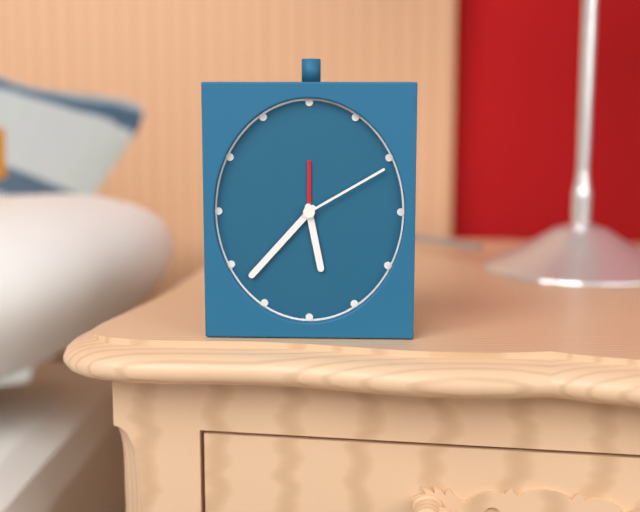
5,37,10
